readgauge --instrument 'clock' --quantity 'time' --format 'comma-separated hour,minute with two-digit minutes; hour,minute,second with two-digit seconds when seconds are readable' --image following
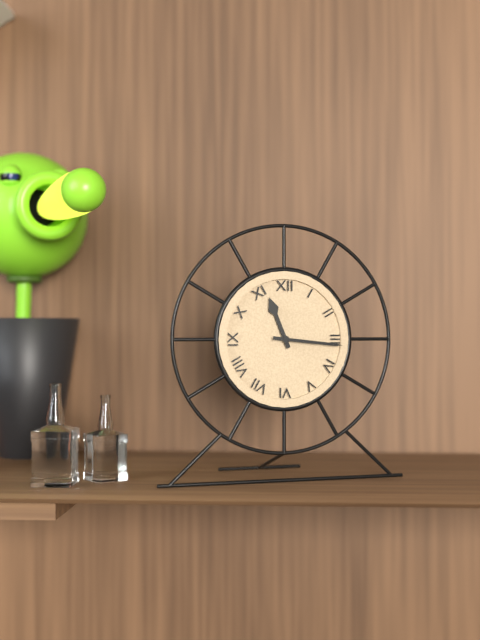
11,16
